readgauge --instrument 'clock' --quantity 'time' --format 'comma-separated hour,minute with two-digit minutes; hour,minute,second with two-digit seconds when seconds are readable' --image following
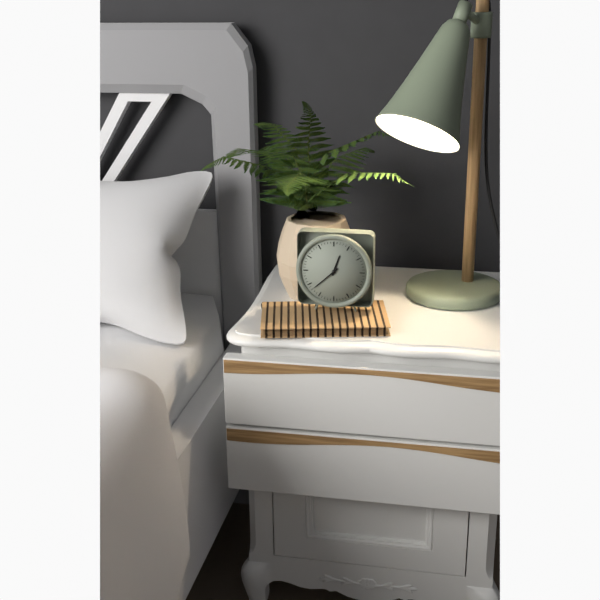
12,38
